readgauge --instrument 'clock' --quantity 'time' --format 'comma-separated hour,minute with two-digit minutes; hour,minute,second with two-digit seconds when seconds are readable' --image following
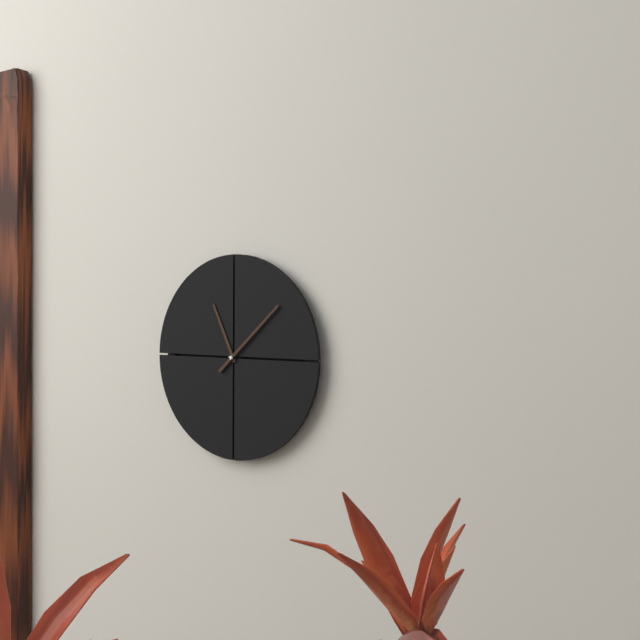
11,08
